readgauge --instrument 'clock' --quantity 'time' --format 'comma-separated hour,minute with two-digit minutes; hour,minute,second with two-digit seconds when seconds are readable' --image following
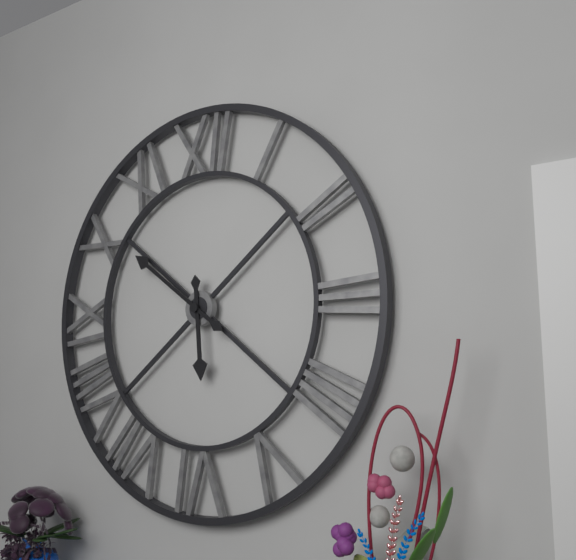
5,51
